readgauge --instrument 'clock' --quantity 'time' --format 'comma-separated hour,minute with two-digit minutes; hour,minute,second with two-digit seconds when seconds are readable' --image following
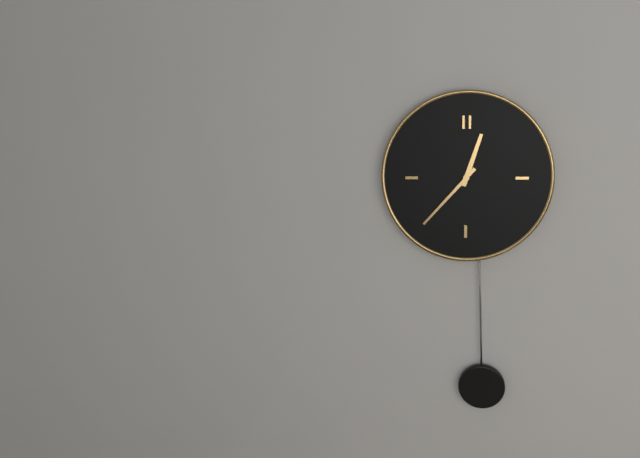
12,37
